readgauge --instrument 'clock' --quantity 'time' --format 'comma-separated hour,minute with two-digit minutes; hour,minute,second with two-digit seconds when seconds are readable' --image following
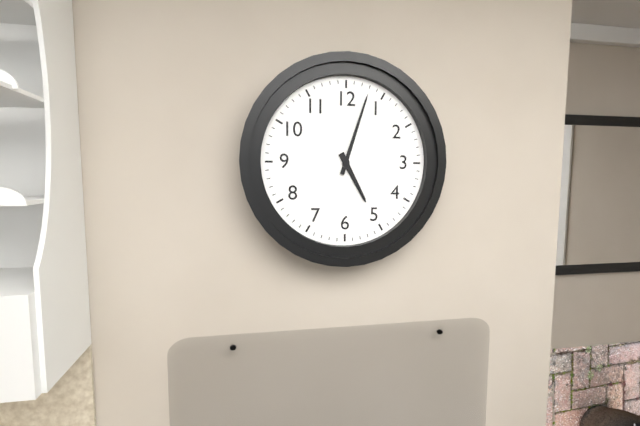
5,03
